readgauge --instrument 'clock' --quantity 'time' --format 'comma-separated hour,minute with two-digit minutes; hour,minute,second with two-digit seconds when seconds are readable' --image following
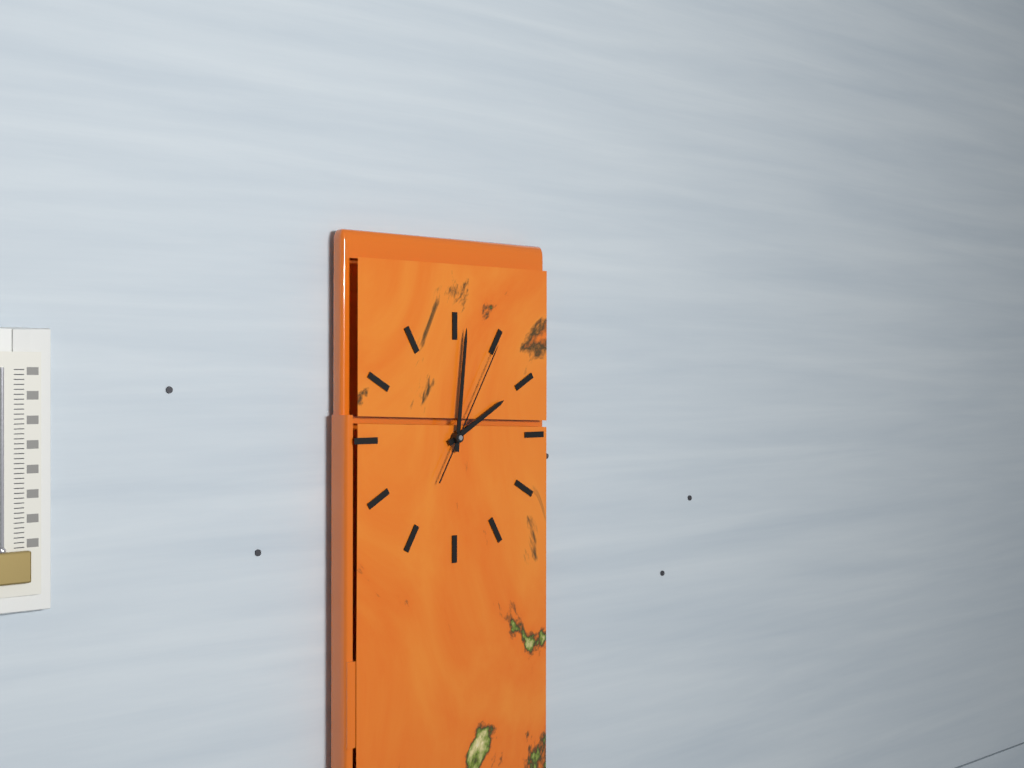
2,01,05
